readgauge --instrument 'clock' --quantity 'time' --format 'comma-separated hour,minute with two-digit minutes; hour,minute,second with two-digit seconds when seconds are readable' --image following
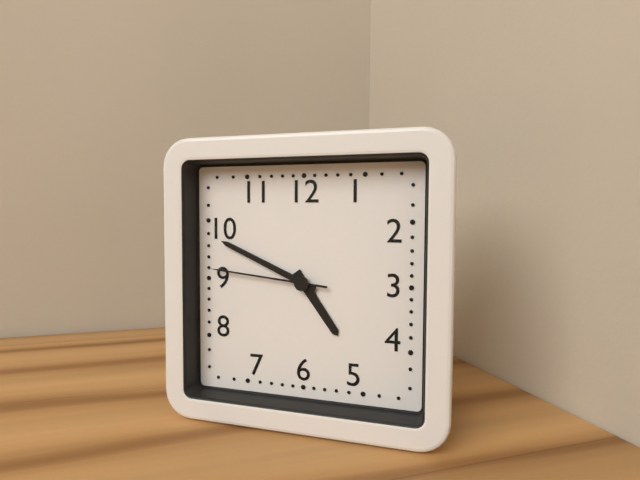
4,49,46
